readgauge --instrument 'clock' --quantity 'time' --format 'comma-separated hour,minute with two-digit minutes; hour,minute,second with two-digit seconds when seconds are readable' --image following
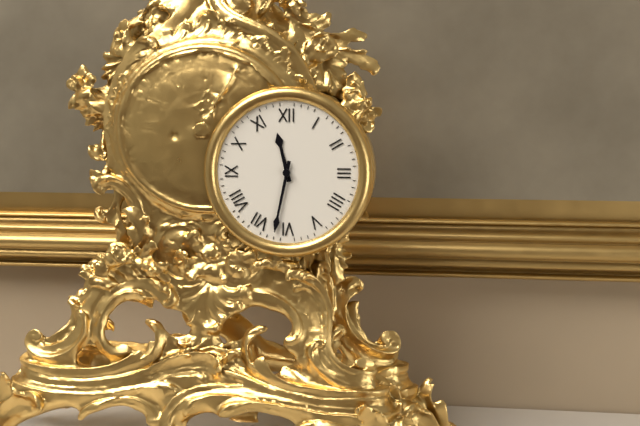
11,32
